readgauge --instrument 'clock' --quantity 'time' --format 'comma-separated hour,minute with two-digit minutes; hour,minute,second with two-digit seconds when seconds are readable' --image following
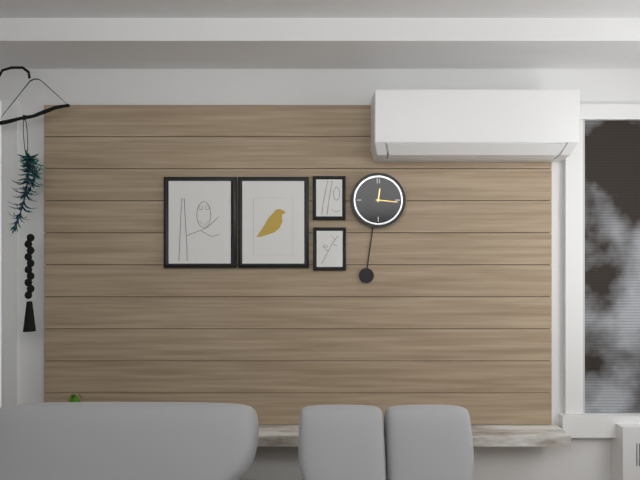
12,16
